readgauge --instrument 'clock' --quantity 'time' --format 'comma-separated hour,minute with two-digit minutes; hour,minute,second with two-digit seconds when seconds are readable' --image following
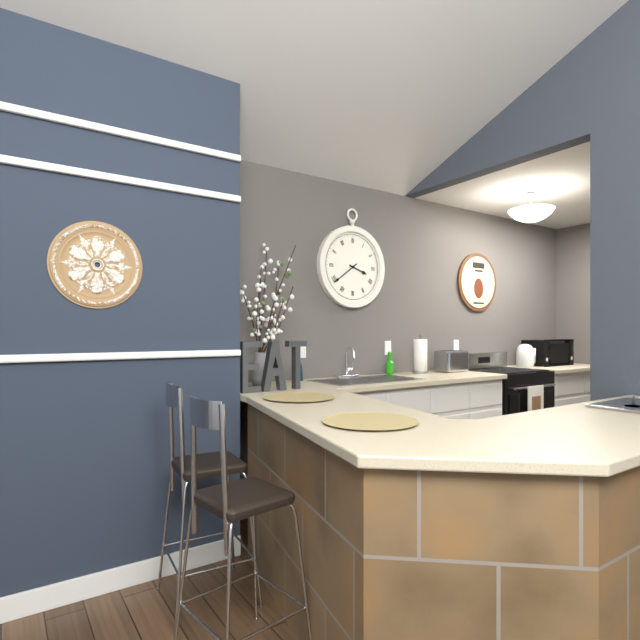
3,39
